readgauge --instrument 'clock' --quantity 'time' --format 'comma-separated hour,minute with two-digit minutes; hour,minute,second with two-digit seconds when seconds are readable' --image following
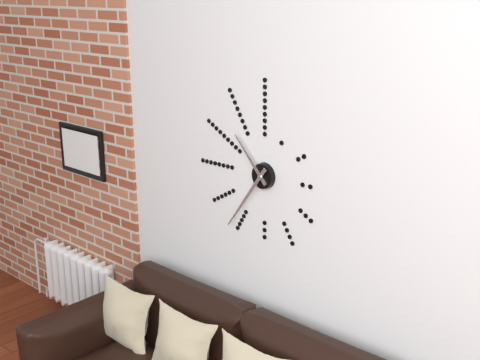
10,36
